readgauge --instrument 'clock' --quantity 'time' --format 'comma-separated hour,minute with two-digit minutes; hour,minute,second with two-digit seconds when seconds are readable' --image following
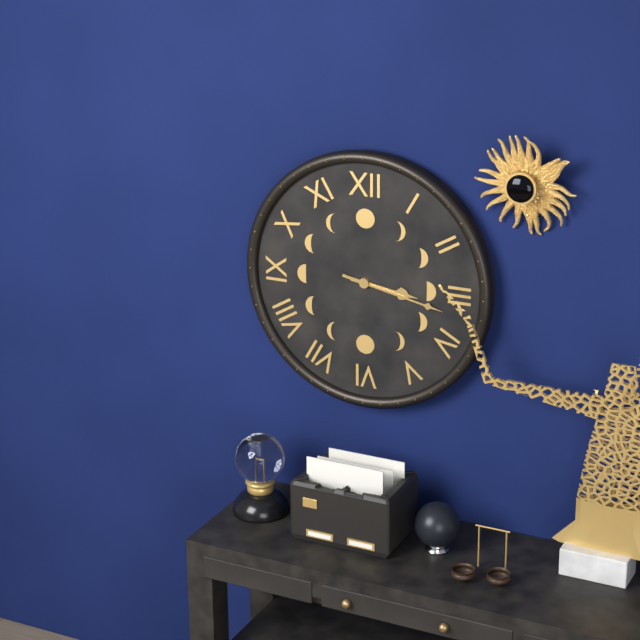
3,17
